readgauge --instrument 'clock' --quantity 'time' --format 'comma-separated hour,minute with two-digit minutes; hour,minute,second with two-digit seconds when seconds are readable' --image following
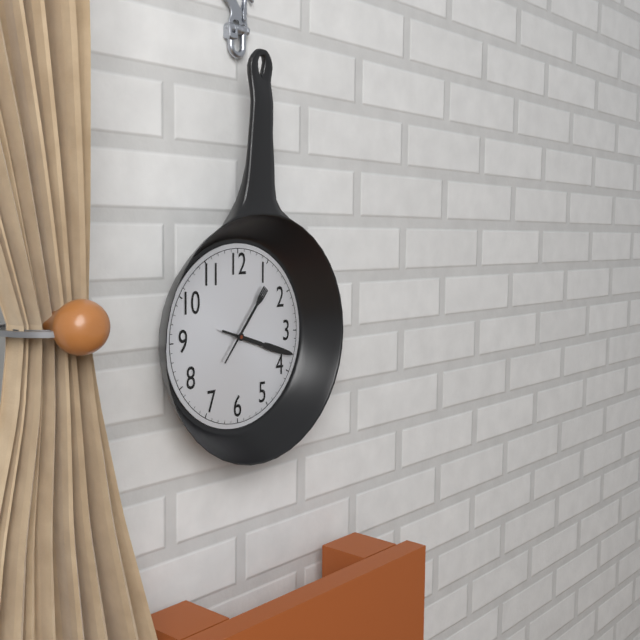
1,18
